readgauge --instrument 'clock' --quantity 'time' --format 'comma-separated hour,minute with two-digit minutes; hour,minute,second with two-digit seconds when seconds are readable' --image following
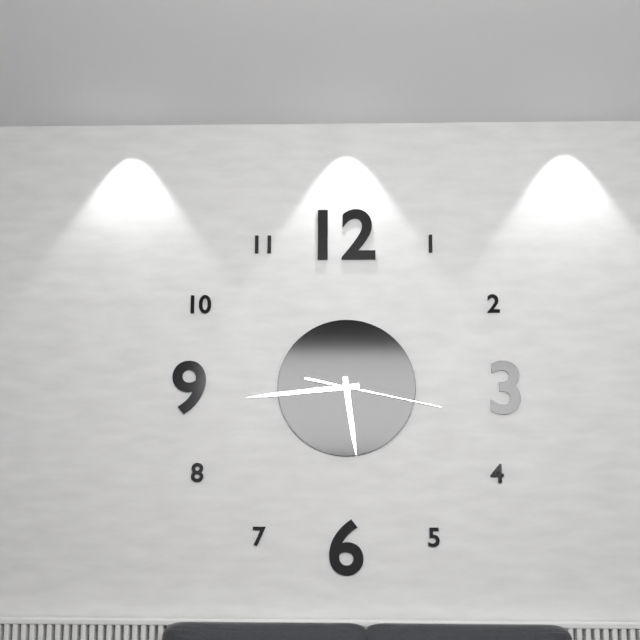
5,44,17
